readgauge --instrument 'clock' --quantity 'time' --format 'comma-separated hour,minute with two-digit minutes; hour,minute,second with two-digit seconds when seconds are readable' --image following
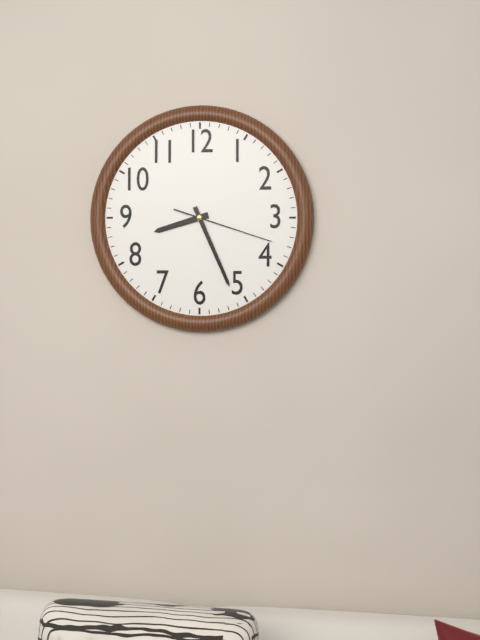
8,26,18
